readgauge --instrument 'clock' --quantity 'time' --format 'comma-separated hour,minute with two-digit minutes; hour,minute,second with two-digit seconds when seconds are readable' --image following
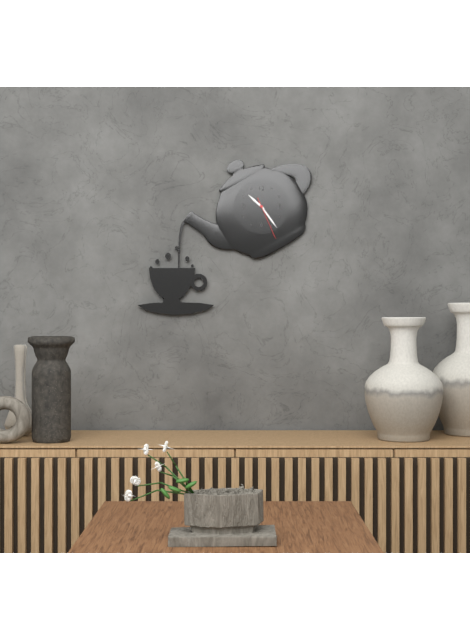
10,24
